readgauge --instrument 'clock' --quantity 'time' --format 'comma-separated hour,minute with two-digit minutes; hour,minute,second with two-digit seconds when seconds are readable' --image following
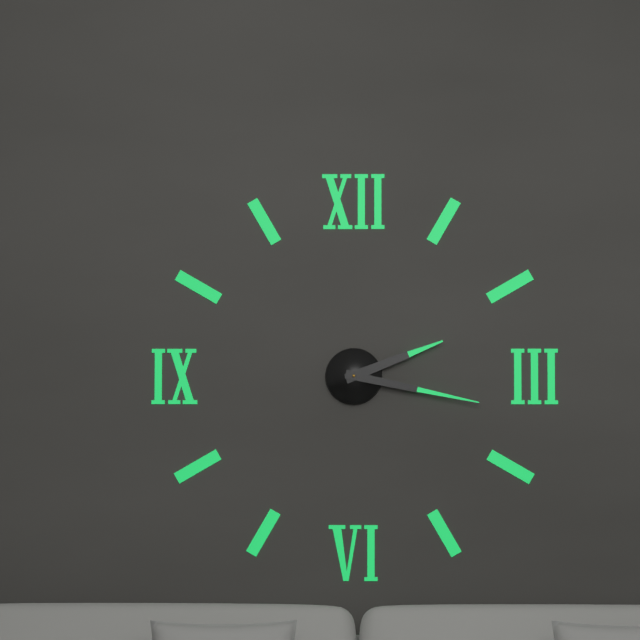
2,17
